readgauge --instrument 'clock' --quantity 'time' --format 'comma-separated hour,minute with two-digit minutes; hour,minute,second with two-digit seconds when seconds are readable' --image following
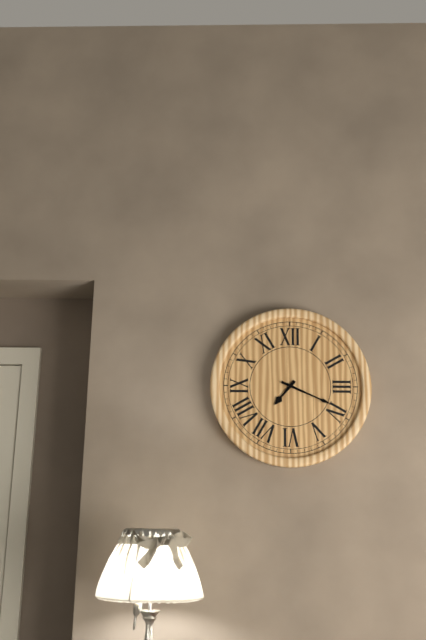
7,19
